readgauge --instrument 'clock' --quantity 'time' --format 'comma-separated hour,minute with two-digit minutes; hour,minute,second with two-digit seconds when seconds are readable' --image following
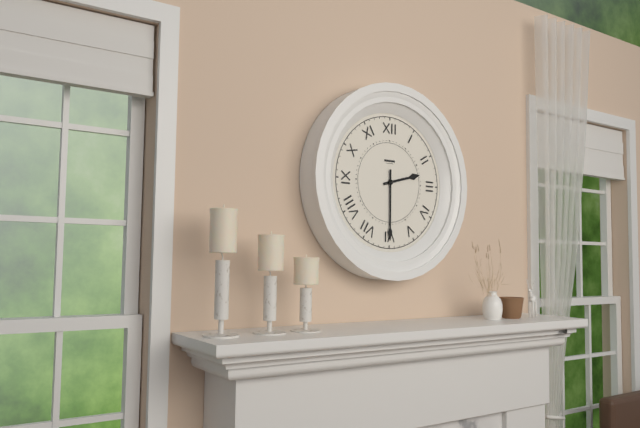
2,30
